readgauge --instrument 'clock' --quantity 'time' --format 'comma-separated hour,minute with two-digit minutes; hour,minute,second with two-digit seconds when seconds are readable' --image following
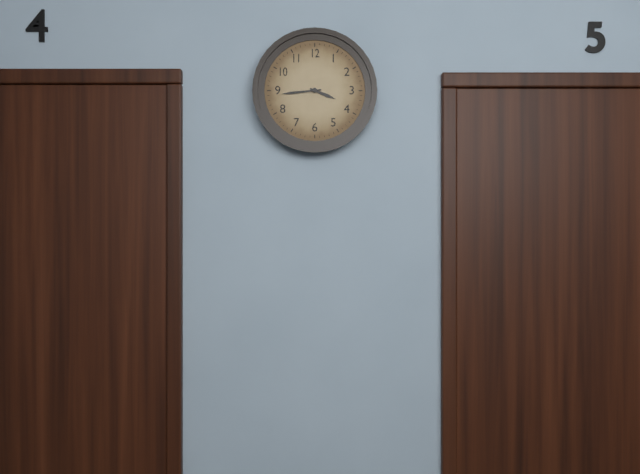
3,44
